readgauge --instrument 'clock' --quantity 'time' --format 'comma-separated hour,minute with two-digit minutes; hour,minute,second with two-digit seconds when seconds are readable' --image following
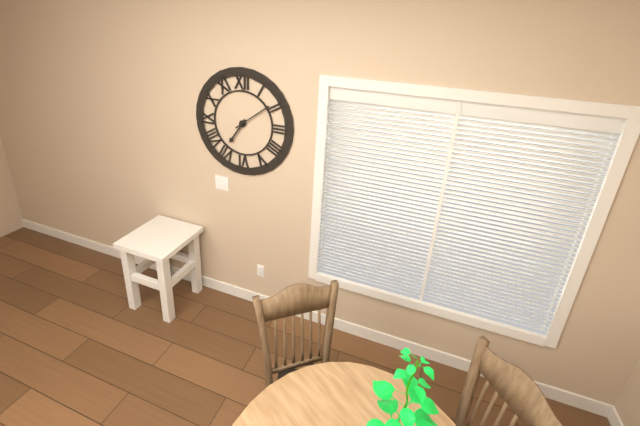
7,09
